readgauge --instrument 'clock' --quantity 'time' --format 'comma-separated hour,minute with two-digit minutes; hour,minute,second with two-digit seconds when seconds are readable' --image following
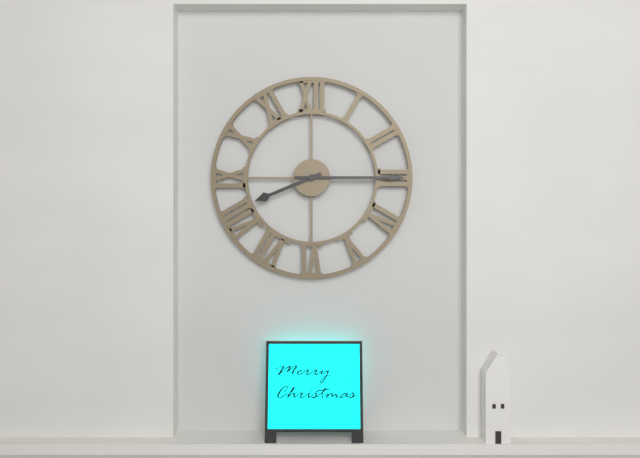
8,15
